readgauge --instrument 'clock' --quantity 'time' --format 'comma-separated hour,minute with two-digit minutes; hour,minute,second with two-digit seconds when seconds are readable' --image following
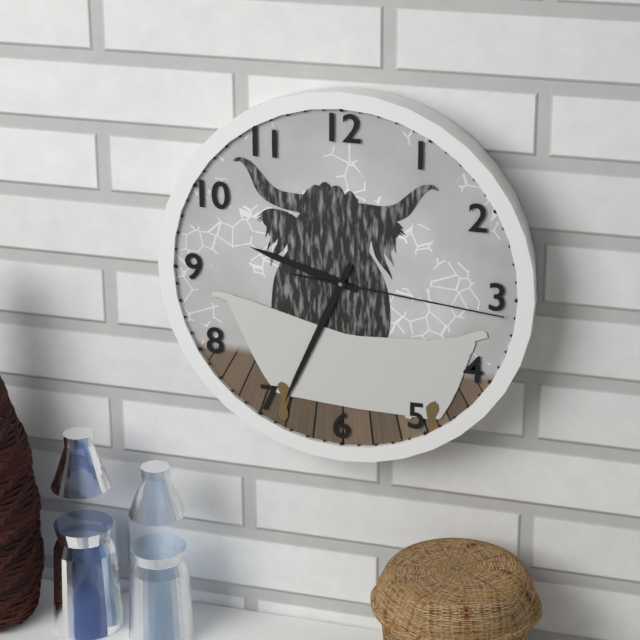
9,34,16
